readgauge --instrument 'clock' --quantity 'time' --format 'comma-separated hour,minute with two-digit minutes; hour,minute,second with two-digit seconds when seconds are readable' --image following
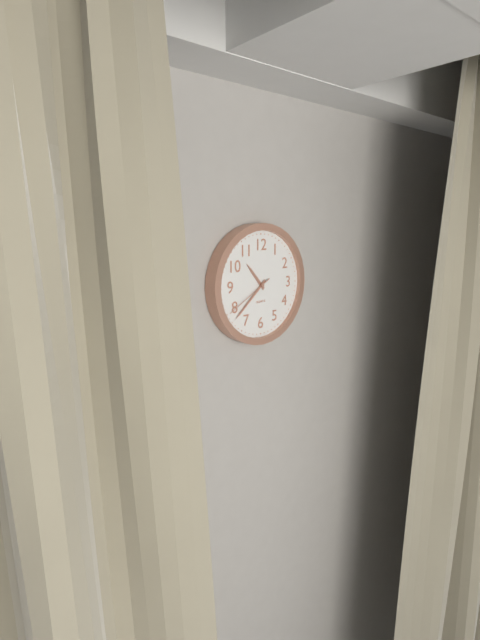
10,38,40
